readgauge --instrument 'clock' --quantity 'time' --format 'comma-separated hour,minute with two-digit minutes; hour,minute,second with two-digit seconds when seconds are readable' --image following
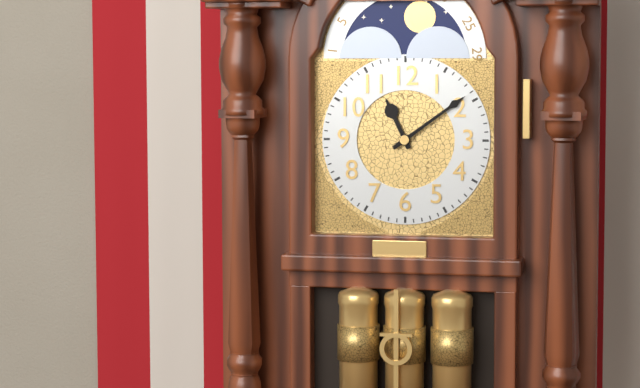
11,09
